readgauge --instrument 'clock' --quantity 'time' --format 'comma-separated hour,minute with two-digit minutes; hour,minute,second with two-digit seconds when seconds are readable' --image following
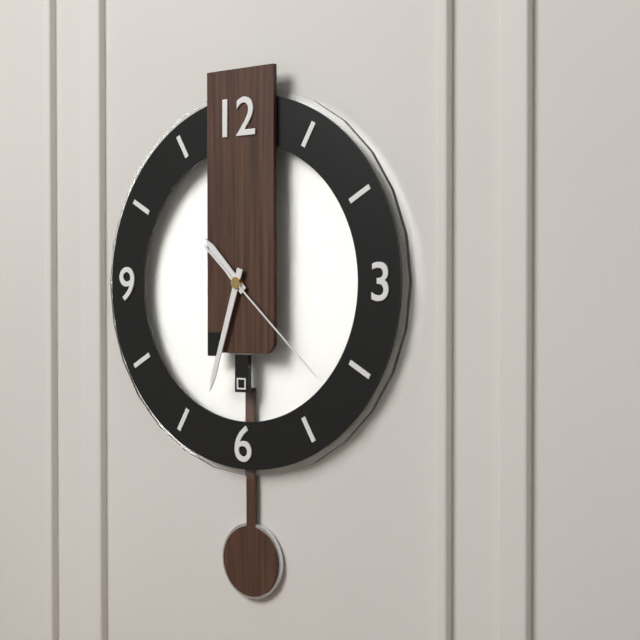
10,33,22
